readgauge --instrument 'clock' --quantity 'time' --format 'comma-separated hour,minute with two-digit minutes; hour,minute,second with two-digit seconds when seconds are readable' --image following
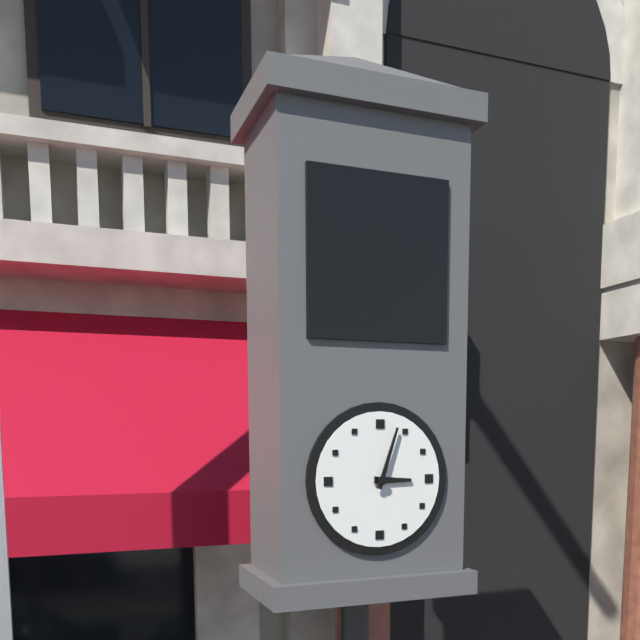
3,03
